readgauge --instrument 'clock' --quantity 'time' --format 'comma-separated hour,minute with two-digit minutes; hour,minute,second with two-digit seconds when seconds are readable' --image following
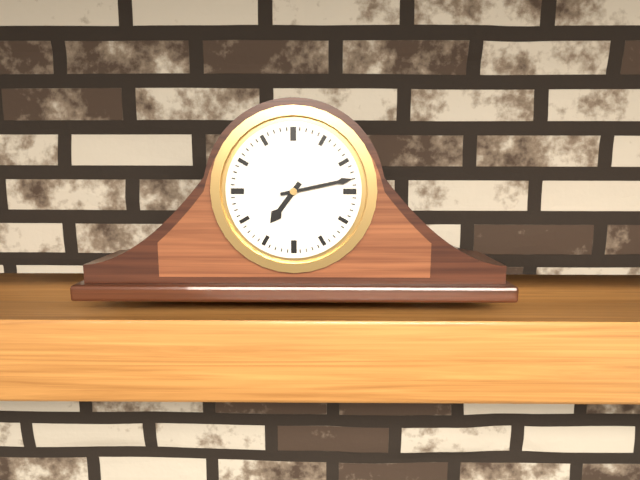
7,13
